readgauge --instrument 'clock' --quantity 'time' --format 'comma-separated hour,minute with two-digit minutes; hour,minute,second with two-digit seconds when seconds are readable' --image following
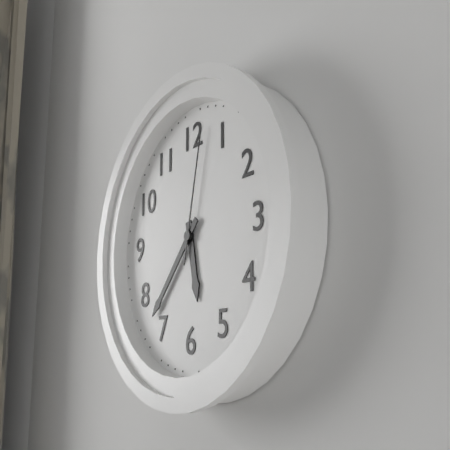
5,37,02
